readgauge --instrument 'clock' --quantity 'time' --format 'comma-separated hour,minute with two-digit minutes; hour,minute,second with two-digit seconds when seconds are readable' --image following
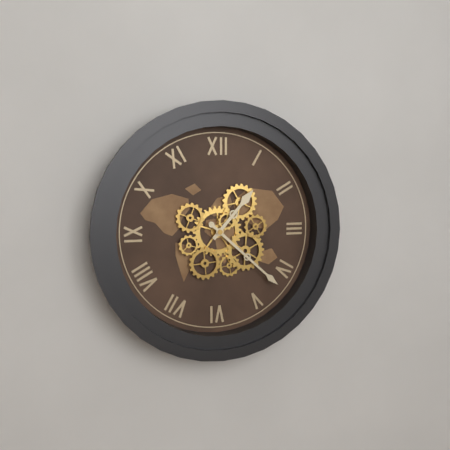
1,22
